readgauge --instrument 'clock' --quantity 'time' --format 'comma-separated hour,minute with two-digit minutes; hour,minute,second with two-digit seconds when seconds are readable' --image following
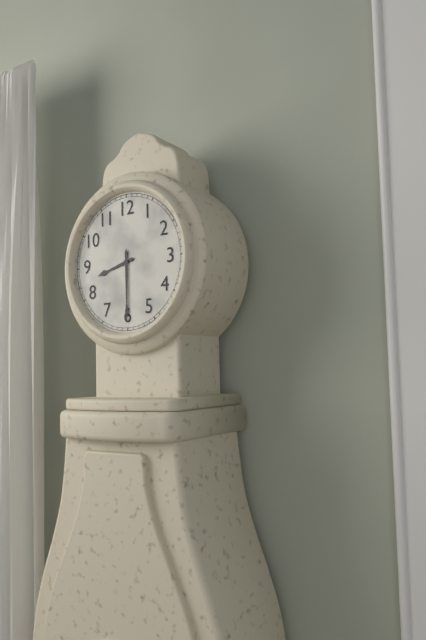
8,30
